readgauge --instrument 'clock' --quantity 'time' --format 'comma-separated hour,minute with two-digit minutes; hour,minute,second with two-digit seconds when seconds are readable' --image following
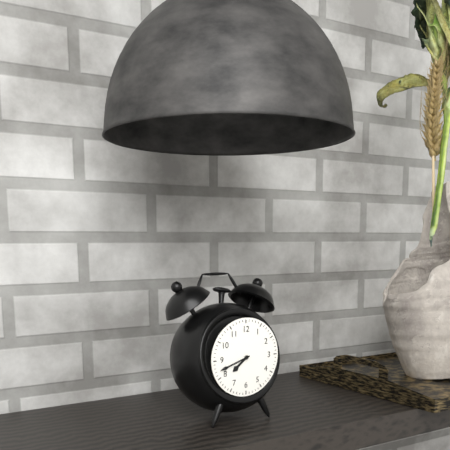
7,42
